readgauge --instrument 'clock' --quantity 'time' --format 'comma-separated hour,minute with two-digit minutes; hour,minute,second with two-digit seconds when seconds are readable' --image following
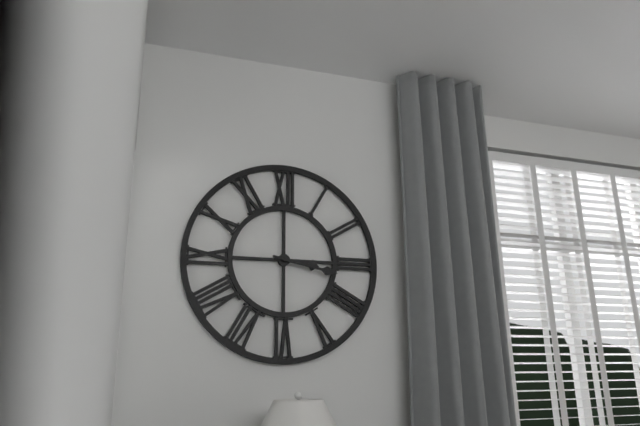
3,17
